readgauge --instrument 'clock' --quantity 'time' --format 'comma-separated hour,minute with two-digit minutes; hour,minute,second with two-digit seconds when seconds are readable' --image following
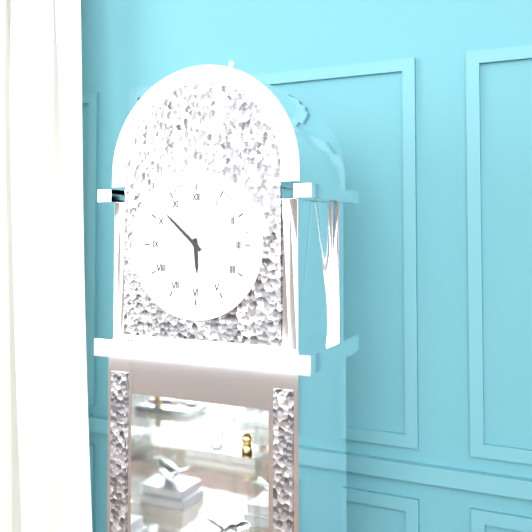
5,52
